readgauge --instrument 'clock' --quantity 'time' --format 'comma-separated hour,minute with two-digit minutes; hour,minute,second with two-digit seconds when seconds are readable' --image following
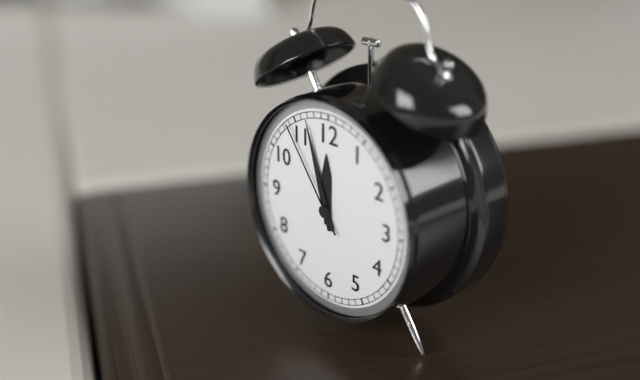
11,57,54
